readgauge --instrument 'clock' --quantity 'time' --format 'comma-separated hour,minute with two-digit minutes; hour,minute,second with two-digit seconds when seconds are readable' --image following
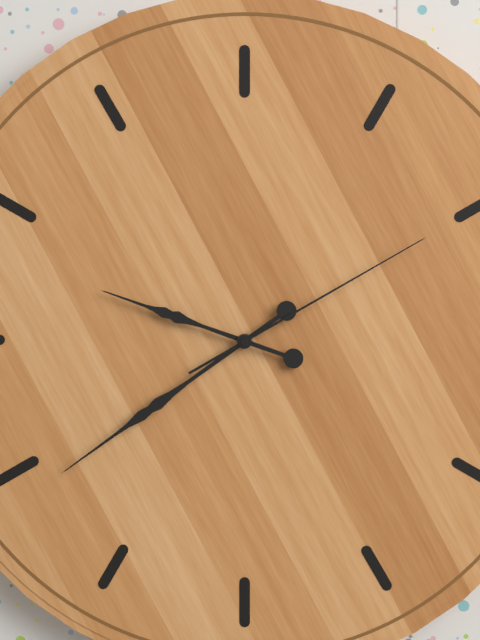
9,39,10
